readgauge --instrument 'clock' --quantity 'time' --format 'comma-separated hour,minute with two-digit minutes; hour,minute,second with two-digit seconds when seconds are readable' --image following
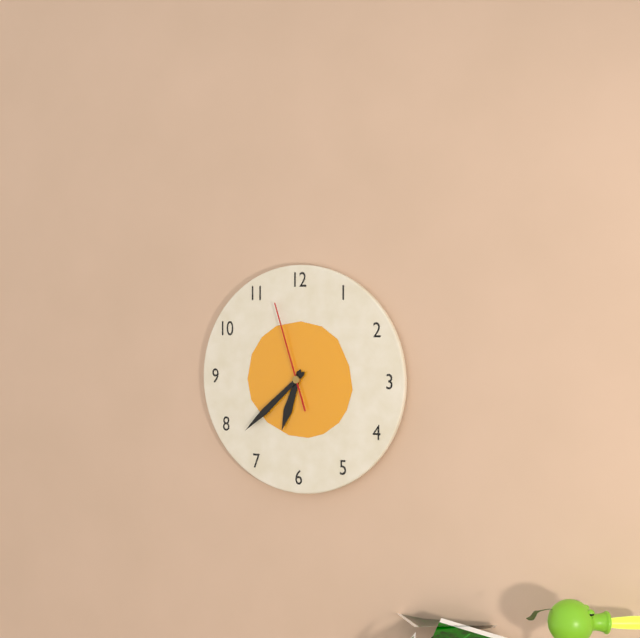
6,38,57
